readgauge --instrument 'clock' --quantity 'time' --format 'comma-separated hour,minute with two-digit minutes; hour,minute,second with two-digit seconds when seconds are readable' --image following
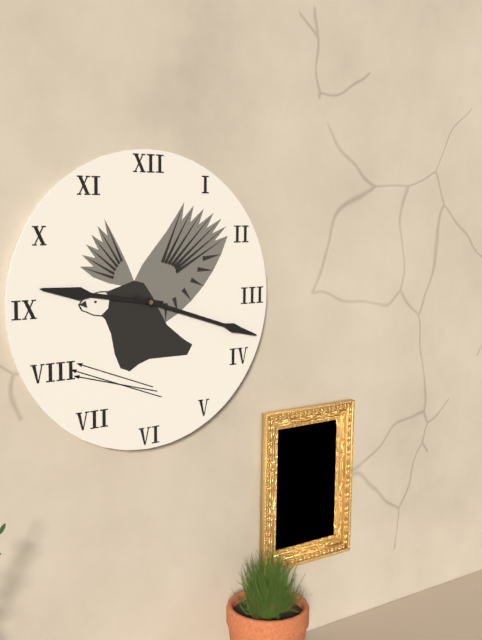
9,18
